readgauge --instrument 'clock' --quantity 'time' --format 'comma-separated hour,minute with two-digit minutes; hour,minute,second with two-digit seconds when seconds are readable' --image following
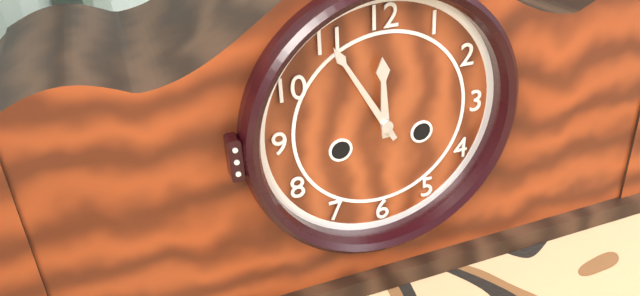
11,55
